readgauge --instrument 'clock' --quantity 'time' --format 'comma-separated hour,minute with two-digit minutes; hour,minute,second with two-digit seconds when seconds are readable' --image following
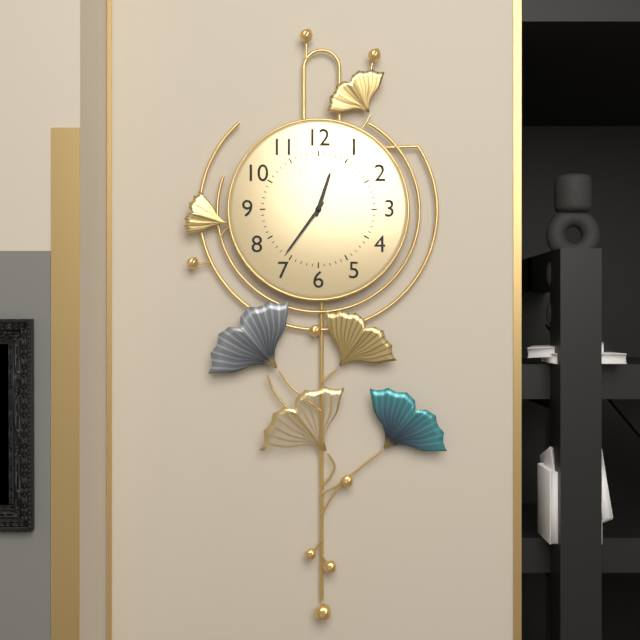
12,36
